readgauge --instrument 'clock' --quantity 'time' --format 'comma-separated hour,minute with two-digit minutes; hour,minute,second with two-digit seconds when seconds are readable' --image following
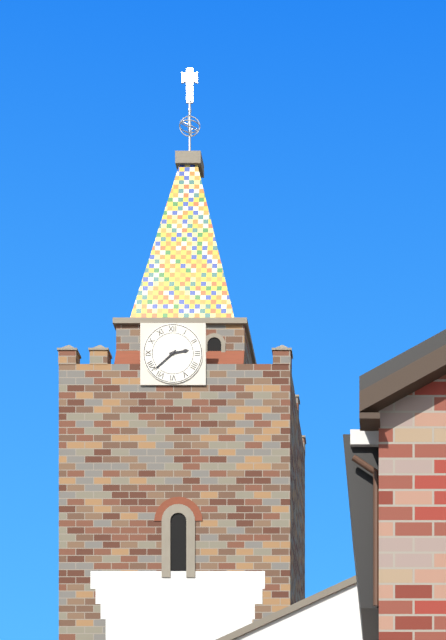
2,38
